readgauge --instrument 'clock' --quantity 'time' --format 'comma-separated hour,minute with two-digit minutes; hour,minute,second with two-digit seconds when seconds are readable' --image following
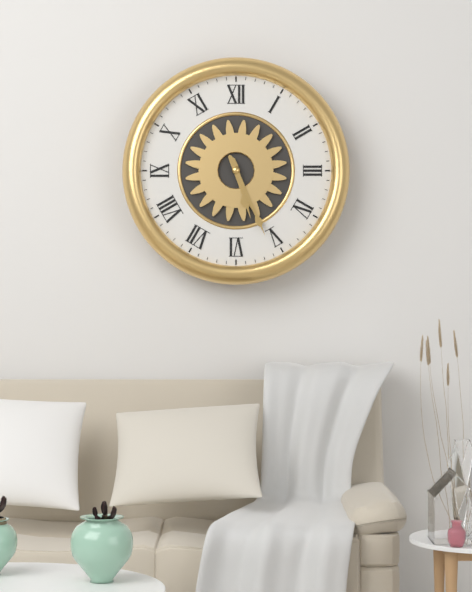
5,26
